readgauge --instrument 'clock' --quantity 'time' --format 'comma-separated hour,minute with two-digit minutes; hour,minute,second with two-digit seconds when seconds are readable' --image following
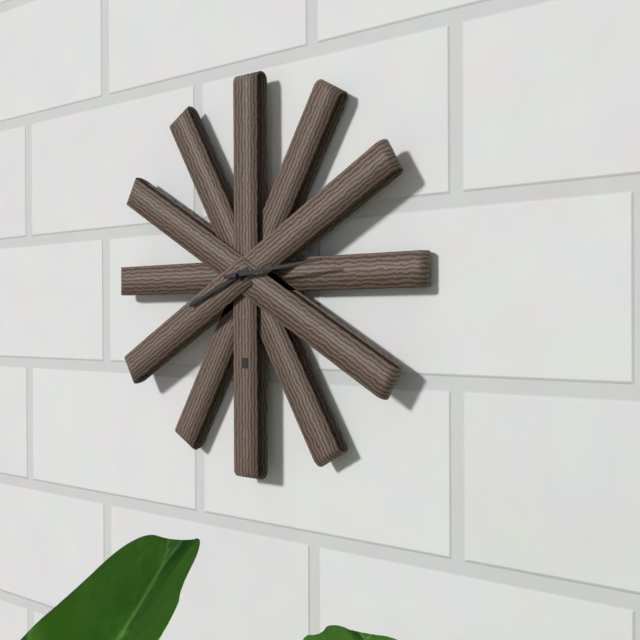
8,14
